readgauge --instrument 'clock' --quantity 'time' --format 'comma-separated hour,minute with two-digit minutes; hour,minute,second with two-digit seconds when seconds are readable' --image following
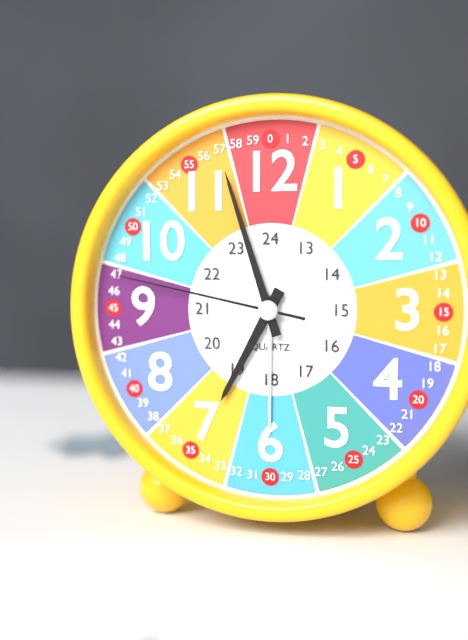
6,57,47
